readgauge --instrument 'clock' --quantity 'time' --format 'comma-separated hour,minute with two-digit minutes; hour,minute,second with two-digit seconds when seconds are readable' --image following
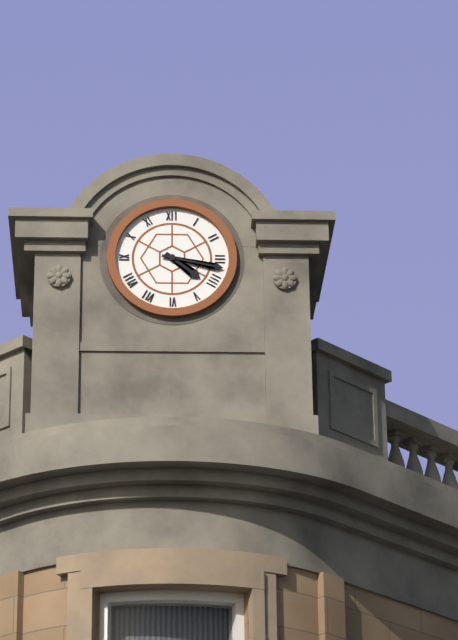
4,17
